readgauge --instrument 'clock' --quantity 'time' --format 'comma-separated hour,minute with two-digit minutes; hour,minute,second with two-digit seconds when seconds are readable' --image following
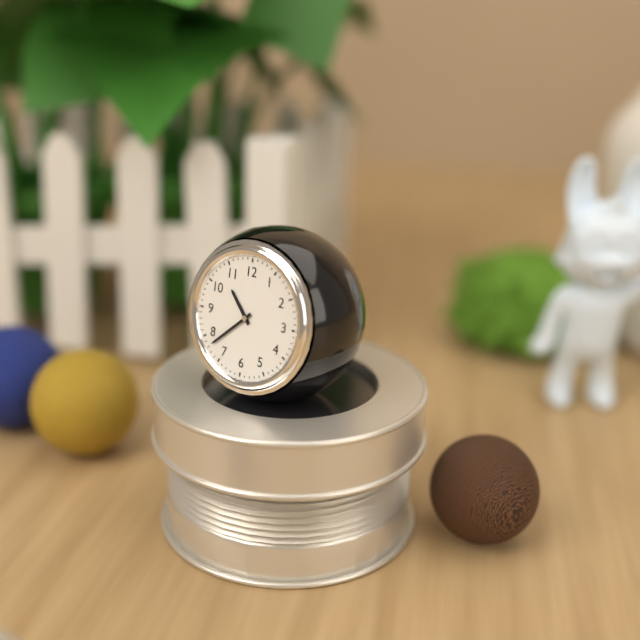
10,38
